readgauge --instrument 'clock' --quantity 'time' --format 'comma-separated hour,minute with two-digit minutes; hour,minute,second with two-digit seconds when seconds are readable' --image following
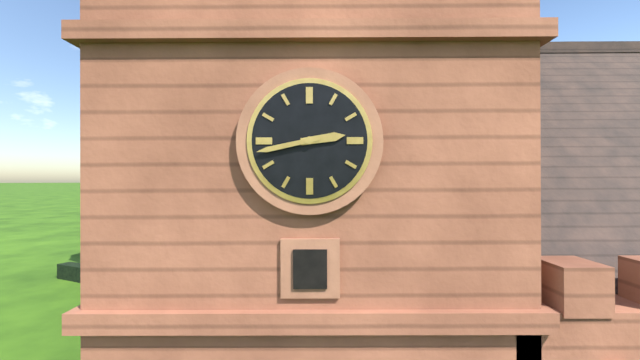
2,43
